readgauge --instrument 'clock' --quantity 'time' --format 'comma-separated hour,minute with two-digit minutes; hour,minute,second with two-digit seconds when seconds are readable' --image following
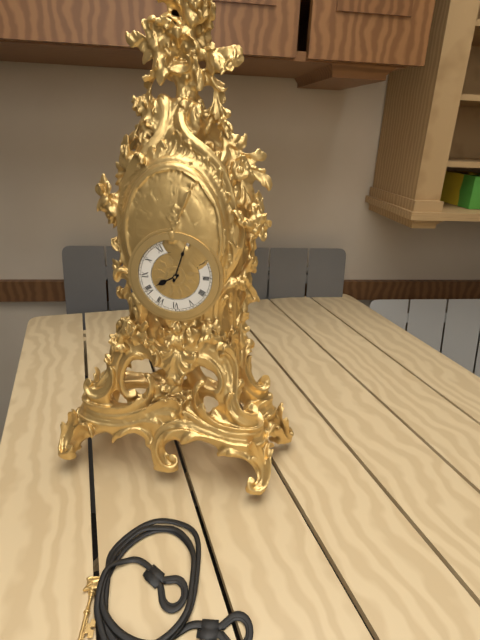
8,03
